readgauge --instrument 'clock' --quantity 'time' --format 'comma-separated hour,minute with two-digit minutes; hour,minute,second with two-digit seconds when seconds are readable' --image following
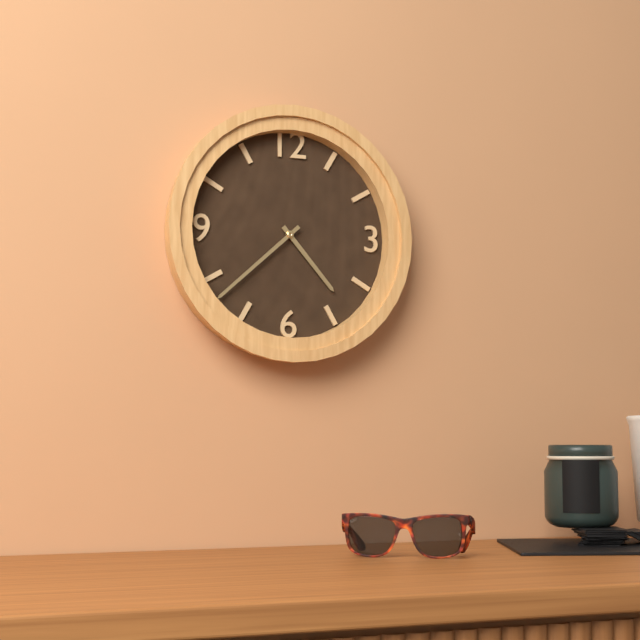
4,38
